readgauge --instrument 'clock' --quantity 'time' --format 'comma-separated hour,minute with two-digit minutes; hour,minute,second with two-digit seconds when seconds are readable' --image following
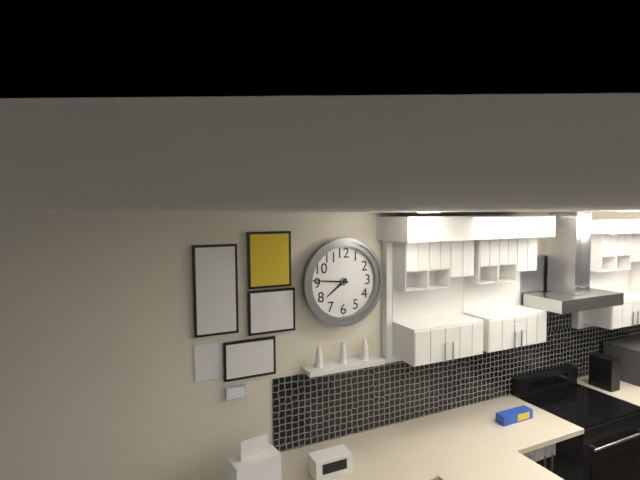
7,46
